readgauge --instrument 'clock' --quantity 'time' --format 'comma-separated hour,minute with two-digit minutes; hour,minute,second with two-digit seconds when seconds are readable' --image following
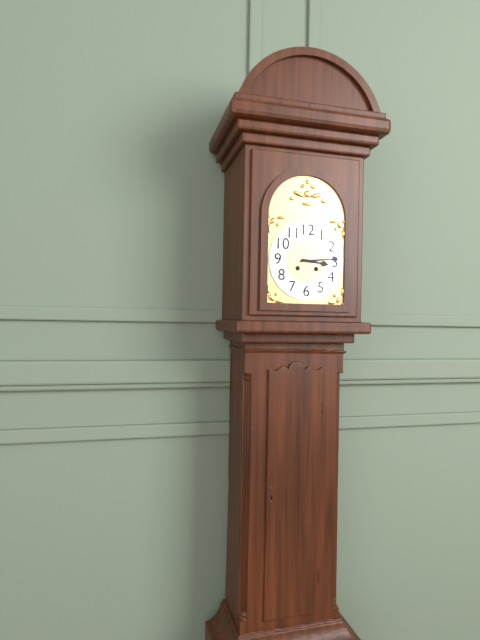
3,14
